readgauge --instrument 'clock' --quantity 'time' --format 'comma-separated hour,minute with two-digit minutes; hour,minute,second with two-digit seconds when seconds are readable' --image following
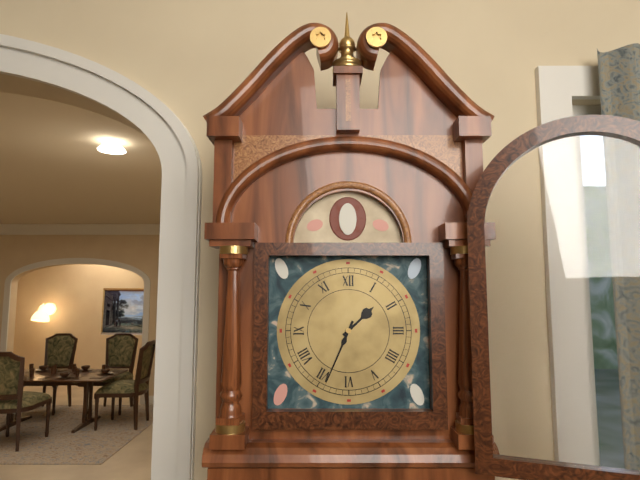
1,34
